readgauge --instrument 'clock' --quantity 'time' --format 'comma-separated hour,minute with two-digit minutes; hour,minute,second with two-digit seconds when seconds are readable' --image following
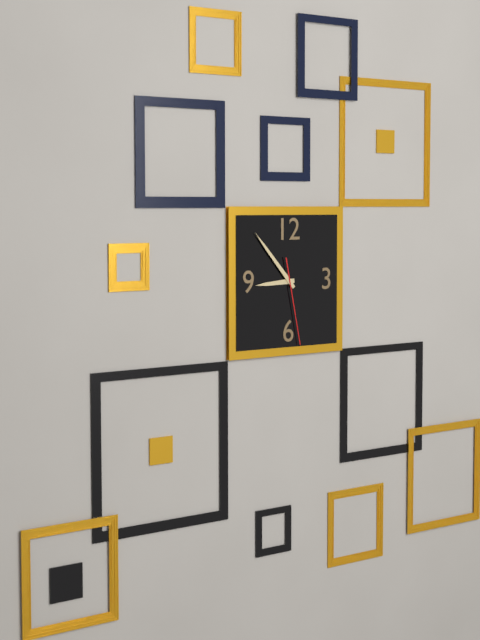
8,53,28
